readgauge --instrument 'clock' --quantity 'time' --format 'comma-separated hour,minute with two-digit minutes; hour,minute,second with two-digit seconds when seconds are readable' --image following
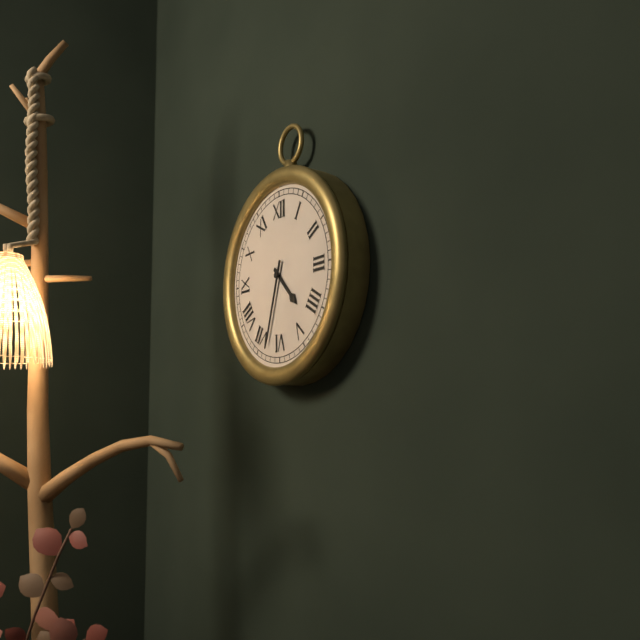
4,33
